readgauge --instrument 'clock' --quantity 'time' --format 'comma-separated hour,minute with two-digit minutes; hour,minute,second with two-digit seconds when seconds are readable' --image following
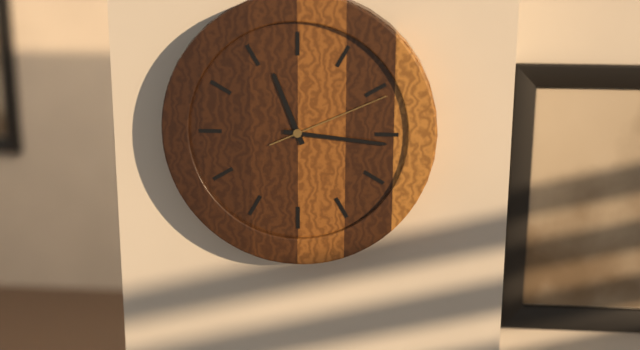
11,16,11
